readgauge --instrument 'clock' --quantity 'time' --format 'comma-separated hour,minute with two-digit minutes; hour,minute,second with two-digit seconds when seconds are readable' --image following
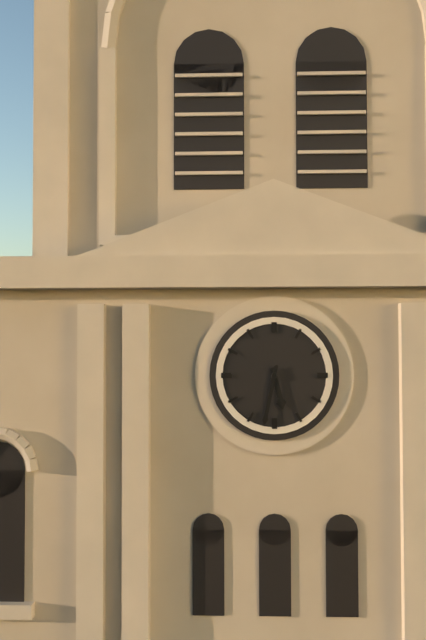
5,32
